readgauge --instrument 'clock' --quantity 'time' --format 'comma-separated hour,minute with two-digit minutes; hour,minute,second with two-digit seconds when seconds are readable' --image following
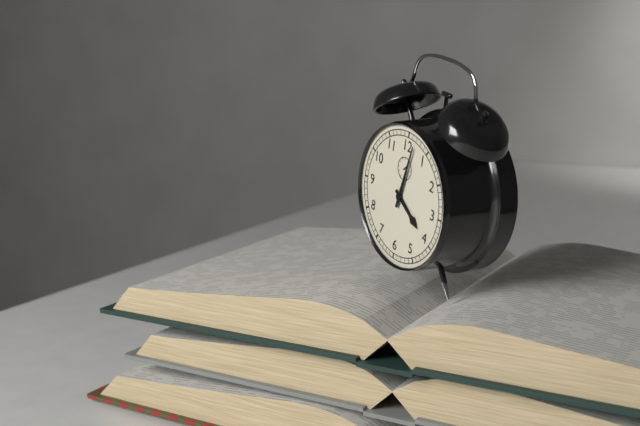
4,02
